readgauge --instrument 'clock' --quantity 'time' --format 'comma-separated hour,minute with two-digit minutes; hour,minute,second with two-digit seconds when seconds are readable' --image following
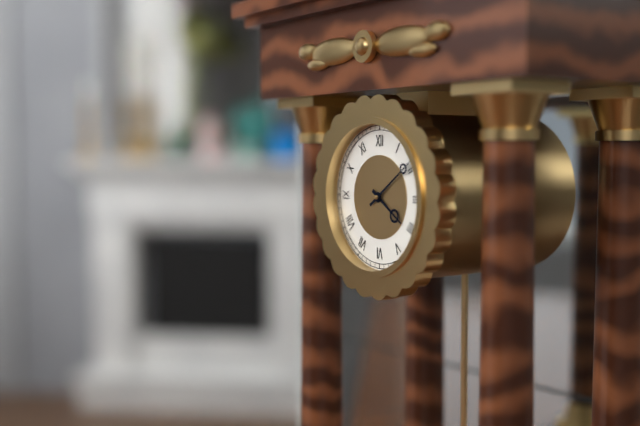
4,09
